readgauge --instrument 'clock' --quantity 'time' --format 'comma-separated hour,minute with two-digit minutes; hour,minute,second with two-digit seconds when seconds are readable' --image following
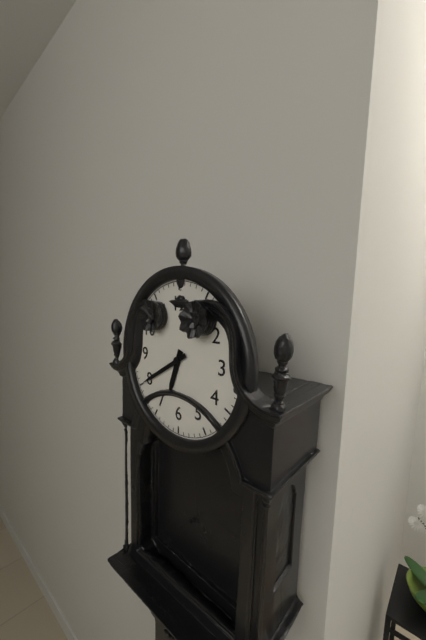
6,40
